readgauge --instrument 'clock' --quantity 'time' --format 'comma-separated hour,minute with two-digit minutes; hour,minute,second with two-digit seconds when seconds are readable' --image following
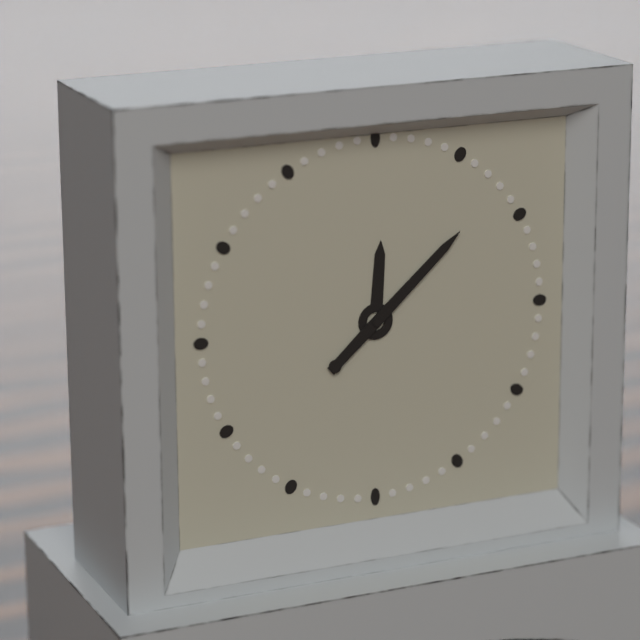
12,08
